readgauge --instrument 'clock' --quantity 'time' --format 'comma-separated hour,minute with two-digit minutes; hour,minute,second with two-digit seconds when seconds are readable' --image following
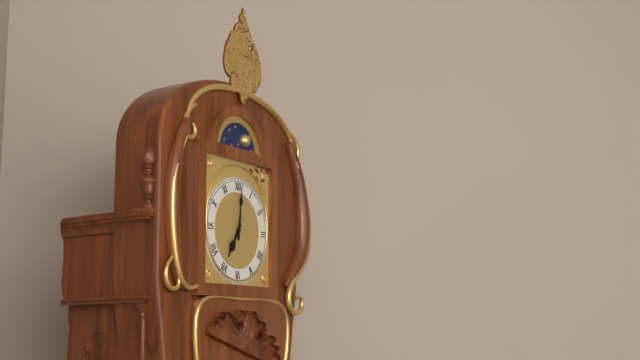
7,01
